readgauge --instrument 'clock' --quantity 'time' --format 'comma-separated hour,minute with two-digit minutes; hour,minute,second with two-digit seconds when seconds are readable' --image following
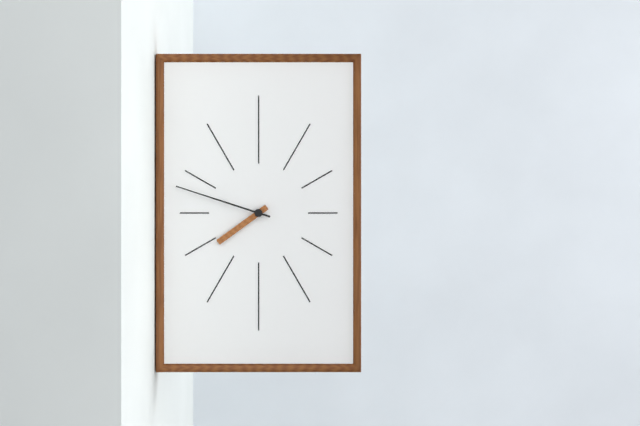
7,48
